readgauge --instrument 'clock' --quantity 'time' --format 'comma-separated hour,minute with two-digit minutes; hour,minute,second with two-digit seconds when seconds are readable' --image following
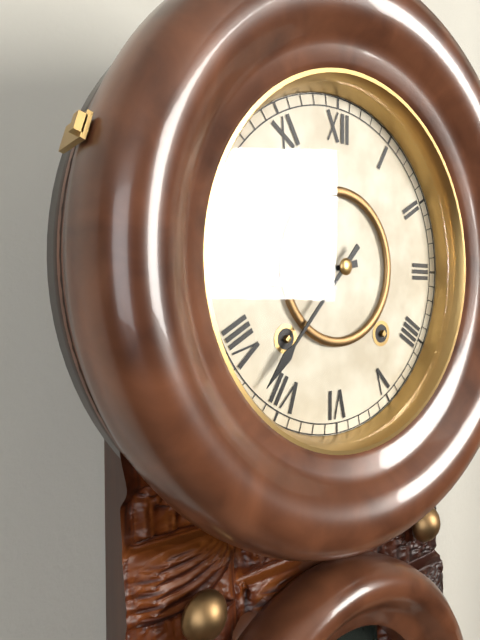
8,37
